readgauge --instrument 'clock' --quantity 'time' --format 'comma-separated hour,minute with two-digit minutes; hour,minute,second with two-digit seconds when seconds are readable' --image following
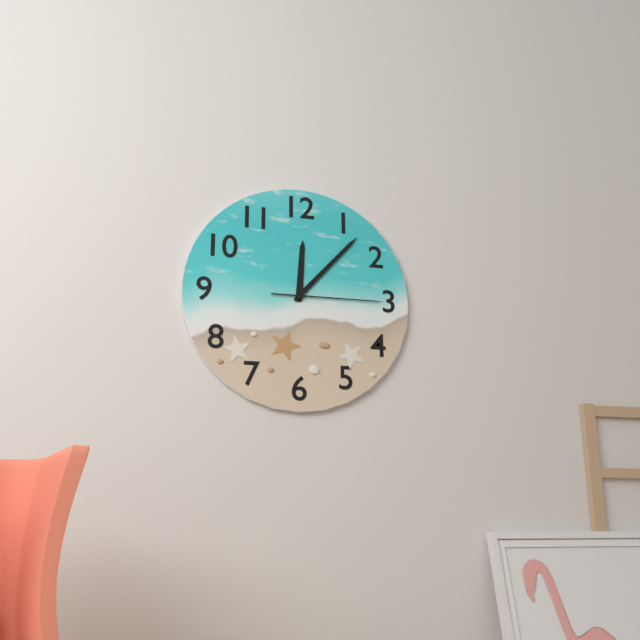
12,07,15
